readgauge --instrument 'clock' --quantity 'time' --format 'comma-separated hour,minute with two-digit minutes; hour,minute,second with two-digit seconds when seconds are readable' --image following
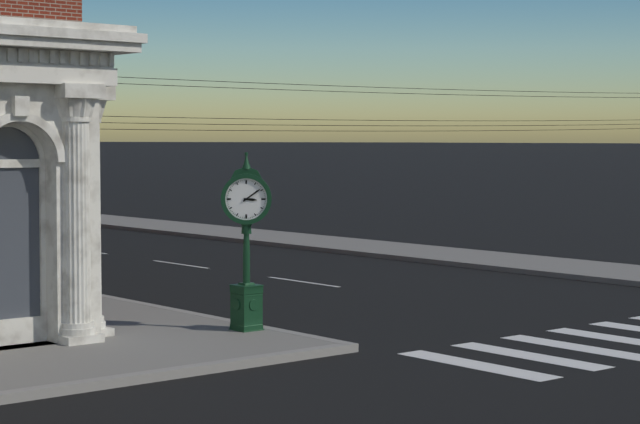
3,09
